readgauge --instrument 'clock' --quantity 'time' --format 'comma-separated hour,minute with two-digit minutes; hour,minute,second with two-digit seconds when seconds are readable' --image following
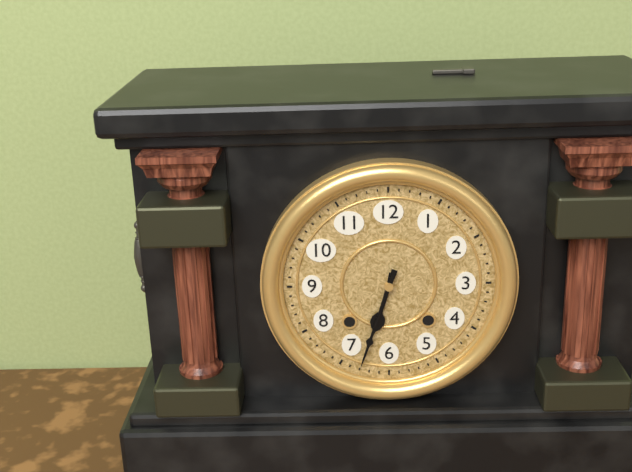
6,33
